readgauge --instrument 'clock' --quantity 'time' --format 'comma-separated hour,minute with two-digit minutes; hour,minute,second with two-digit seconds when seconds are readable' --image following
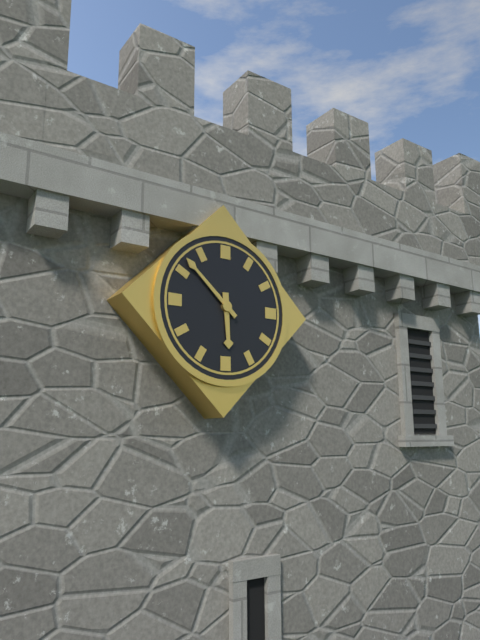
5,52
